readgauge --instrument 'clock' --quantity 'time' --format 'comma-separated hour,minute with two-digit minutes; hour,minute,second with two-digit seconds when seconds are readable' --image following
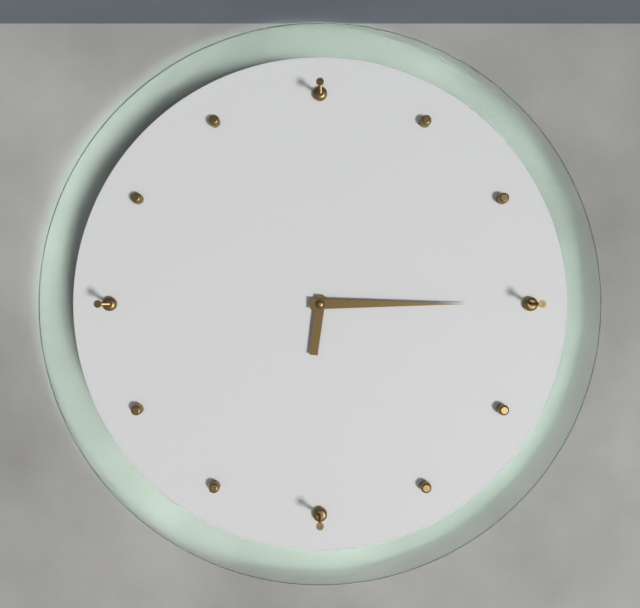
6,15
